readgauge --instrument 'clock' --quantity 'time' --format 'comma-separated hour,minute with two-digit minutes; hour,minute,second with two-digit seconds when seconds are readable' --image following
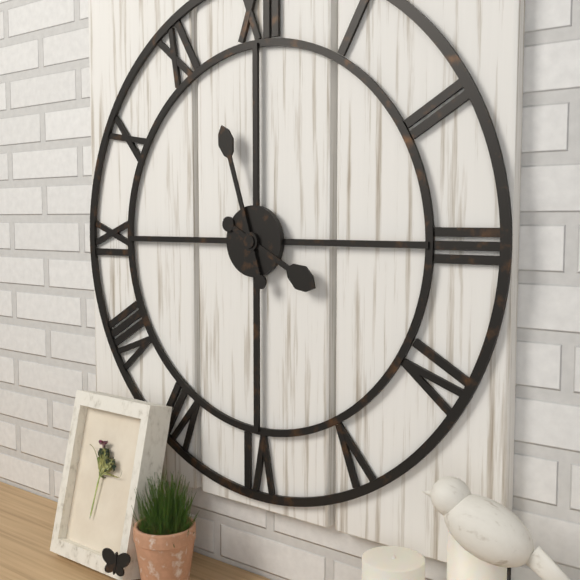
3,57
